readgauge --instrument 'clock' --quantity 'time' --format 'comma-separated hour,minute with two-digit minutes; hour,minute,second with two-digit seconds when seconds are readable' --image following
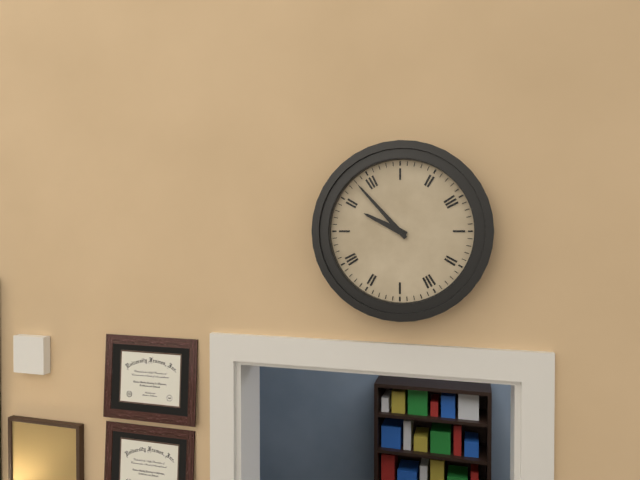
9,53
